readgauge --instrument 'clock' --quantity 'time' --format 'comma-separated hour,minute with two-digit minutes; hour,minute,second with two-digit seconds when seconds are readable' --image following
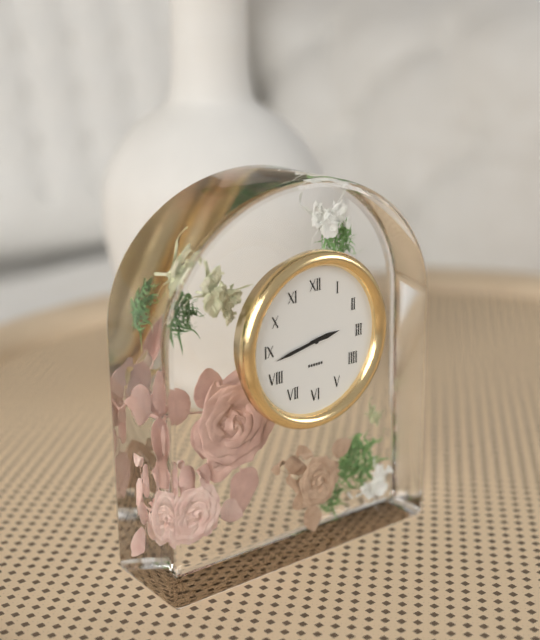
2,43
